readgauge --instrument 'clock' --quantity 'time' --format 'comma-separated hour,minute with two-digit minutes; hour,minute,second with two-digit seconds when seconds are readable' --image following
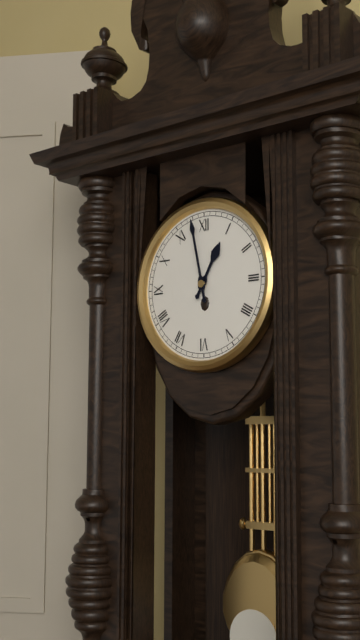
12,58
